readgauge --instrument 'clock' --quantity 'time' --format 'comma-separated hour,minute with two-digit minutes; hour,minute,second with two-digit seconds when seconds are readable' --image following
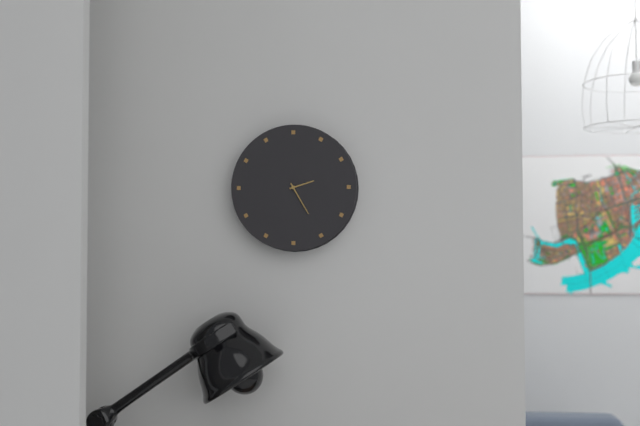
2,25
